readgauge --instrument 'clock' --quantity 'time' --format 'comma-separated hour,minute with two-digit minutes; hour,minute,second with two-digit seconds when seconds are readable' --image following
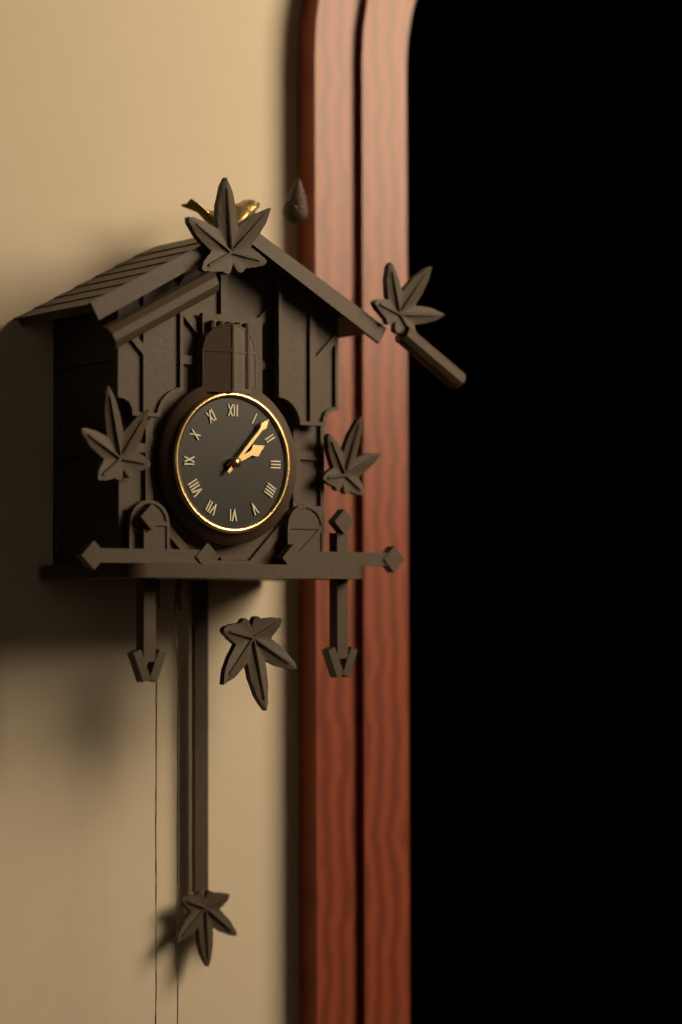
2,07
